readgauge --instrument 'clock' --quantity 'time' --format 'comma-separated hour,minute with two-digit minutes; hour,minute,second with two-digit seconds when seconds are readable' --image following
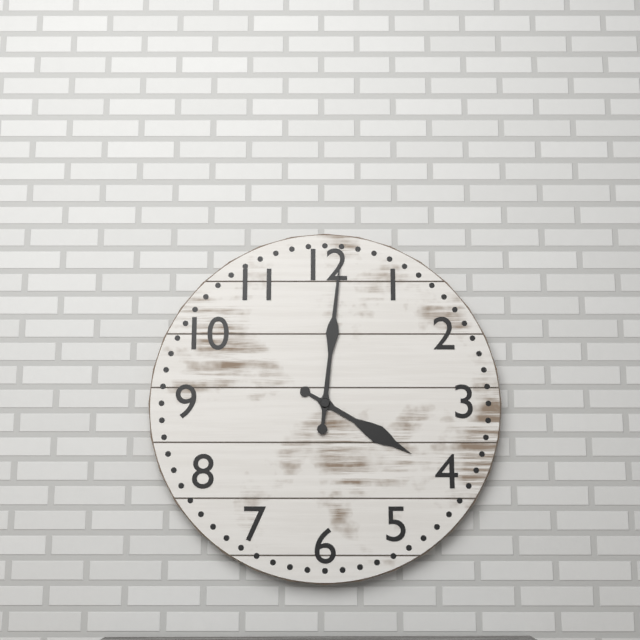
4,01
